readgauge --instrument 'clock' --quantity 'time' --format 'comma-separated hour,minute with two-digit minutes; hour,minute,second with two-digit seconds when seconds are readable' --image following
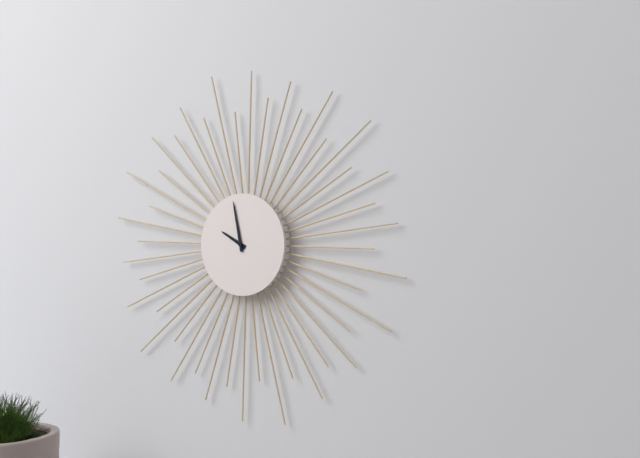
9,58
